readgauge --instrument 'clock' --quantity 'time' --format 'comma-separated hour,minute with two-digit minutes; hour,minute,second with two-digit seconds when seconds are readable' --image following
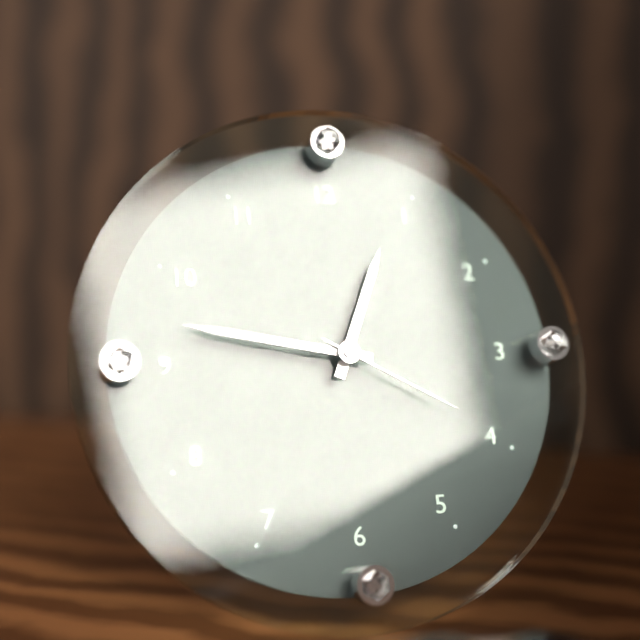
12,47,20
